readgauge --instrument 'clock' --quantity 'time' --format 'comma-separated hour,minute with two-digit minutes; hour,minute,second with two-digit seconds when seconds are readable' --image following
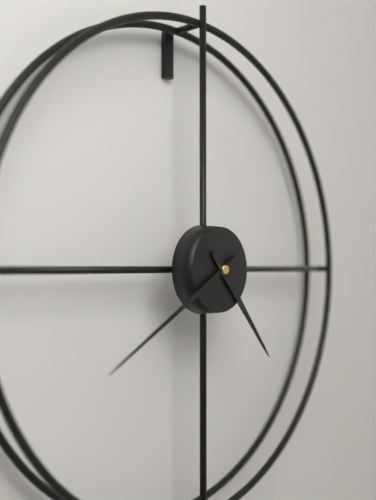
4,40
